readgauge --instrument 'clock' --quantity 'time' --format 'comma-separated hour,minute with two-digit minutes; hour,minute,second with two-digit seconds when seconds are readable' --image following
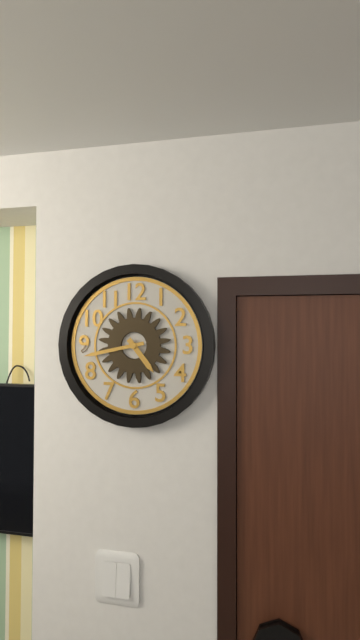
4,43
